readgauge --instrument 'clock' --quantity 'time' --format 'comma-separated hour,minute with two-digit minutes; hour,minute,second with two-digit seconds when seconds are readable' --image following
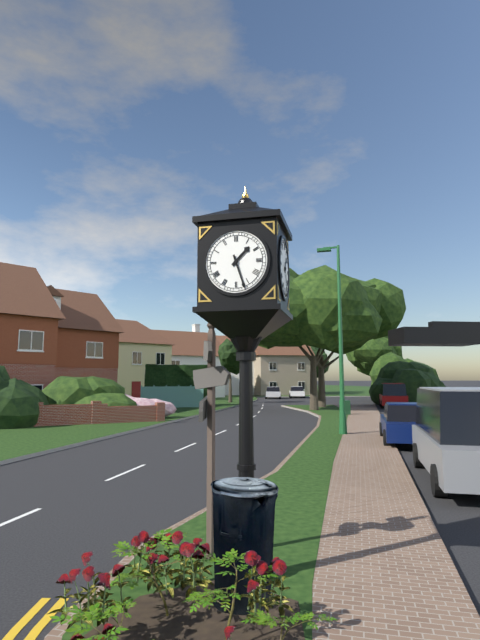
1,27
